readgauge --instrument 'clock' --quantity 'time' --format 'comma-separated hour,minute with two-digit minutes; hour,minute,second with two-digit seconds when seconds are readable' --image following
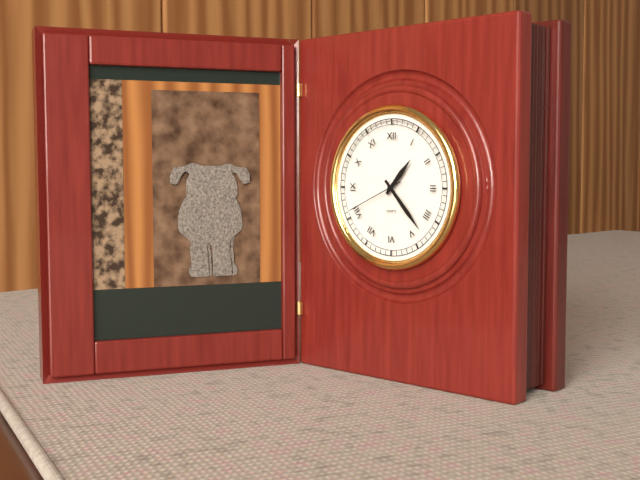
1,23,41
